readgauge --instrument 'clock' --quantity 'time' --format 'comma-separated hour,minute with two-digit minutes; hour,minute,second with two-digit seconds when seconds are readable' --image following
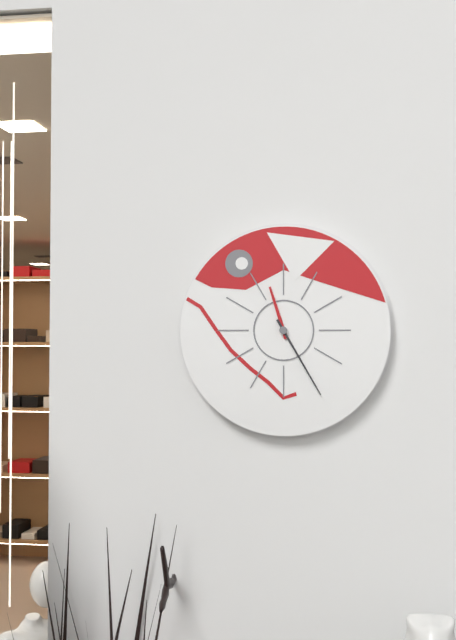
11,25
